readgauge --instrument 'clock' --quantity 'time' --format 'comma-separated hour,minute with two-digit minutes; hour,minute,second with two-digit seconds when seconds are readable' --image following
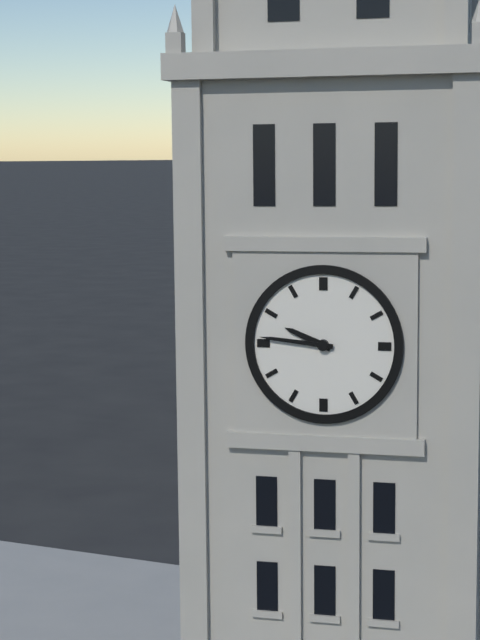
9,46
